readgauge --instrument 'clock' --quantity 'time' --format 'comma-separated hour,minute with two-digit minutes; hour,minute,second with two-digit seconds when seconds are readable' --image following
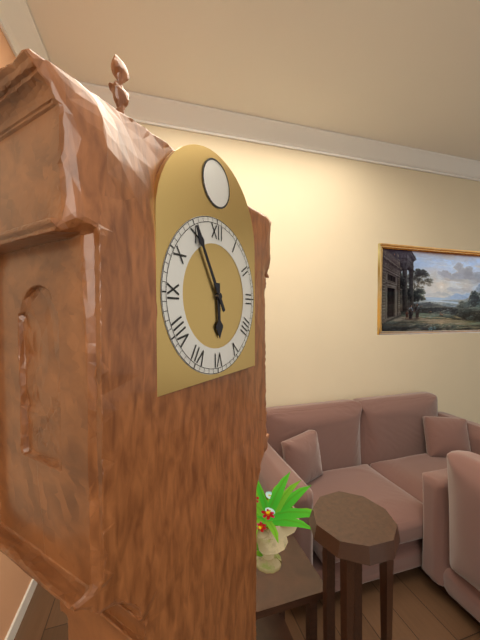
5,55
